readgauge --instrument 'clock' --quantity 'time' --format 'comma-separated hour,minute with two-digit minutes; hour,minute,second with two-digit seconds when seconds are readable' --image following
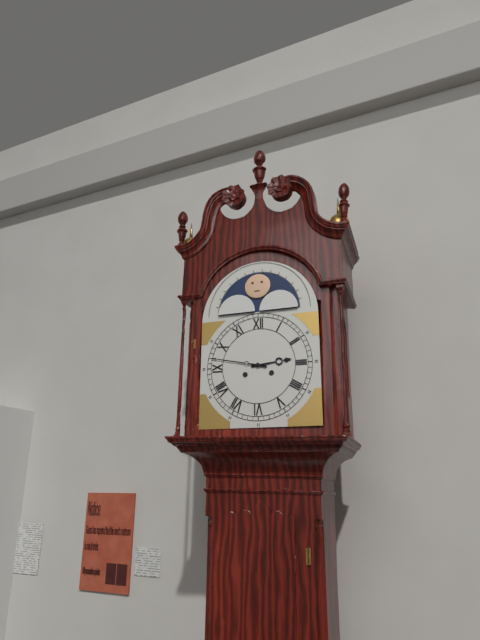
2,47
